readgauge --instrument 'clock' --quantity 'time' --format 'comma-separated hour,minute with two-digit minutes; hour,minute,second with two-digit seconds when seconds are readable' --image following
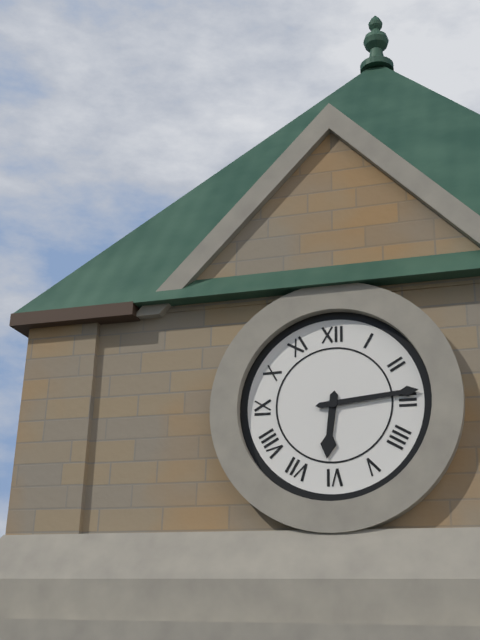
6,14
